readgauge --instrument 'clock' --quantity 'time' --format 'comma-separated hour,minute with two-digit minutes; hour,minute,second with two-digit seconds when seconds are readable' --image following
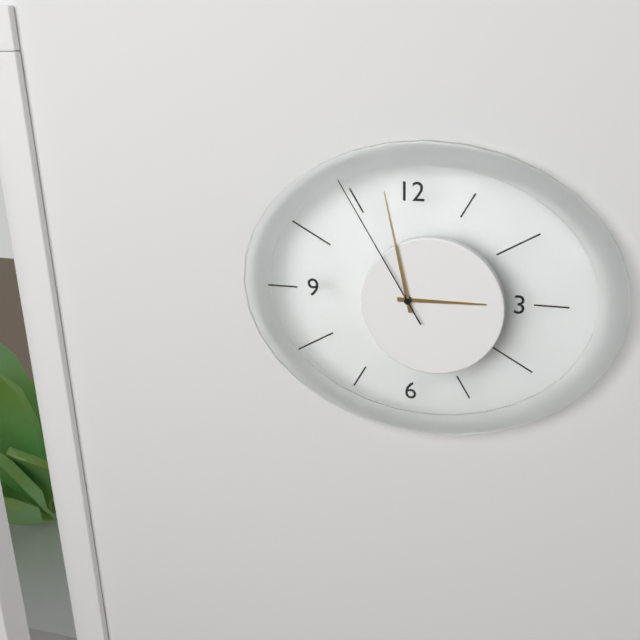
2,58,55
